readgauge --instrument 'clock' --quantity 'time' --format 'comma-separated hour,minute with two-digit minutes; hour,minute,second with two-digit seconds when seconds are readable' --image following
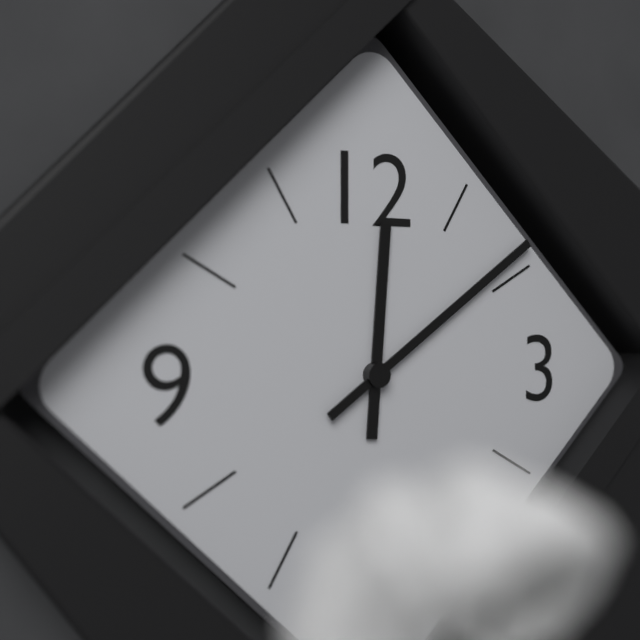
12,09
